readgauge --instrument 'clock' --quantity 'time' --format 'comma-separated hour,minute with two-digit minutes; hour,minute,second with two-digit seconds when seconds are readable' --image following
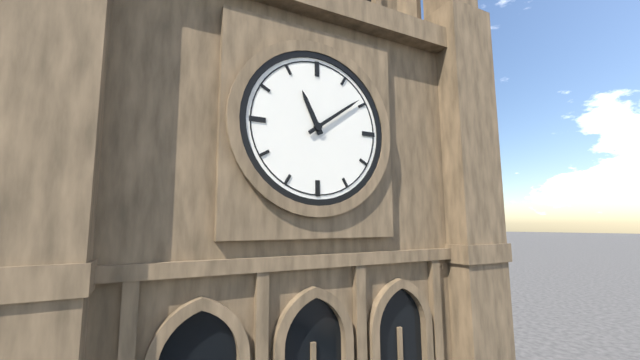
11,09
